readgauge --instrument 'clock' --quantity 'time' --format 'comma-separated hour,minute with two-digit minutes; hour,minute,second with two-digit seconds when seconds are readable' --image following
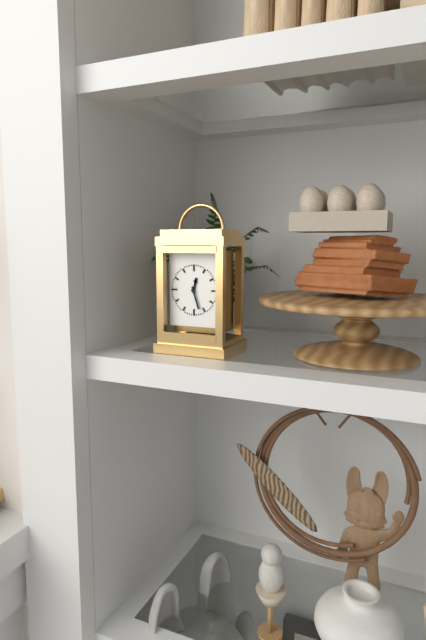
12,27
